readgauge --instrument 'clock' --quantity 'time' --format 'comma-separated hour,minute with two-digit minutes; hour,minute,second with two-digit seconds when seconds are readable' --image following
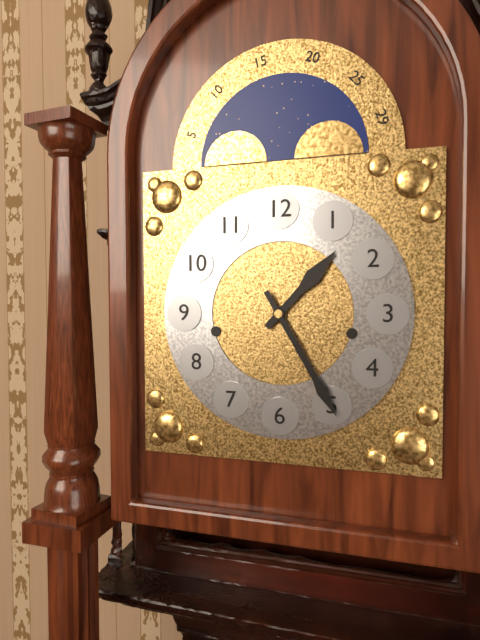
1,25
